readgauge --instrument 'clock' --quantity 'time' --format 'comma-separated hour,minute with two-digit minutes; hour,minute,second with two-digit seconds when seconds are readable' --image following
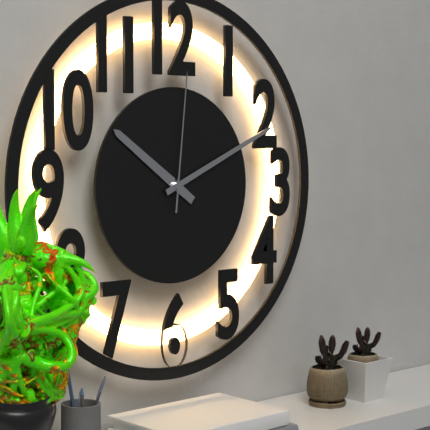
10,11,01
